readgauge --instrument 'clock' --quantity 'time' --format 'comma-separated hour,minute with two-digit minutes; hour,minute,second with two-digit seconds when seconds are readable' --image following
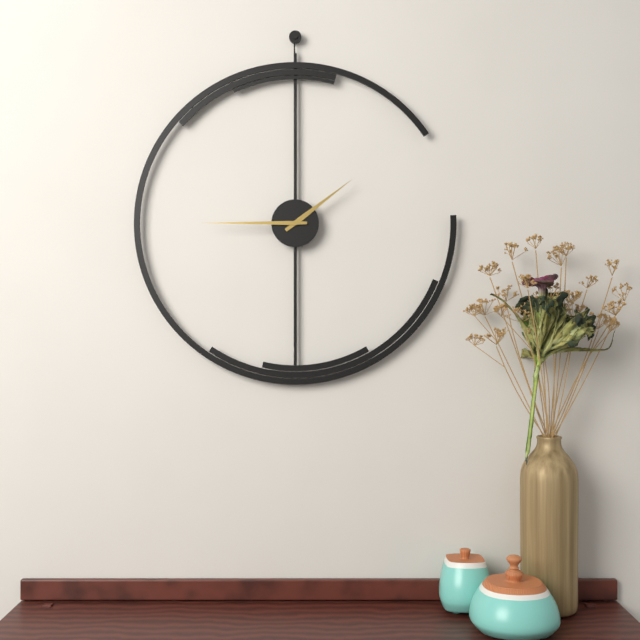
1,45
